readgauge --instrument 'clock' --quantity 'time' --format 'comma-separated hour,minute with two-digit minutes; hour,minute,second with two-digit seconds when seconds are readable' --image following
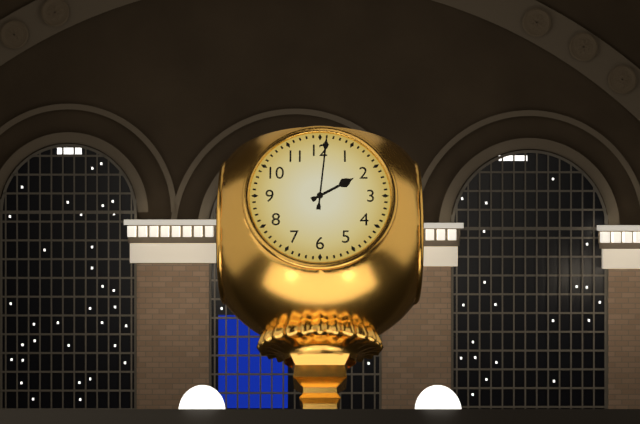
2,01
